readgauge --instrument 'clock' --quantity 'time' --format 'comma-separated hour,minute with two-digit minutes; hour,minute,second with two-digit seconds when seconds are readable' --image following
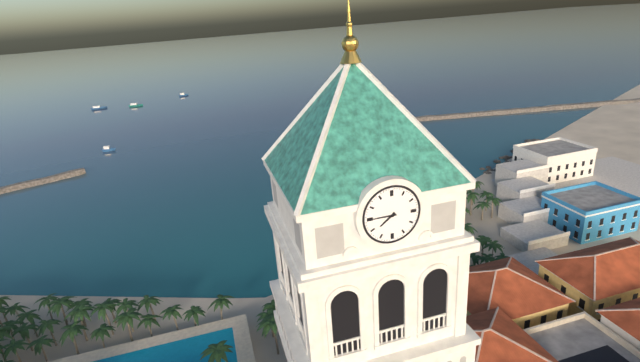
7,45
